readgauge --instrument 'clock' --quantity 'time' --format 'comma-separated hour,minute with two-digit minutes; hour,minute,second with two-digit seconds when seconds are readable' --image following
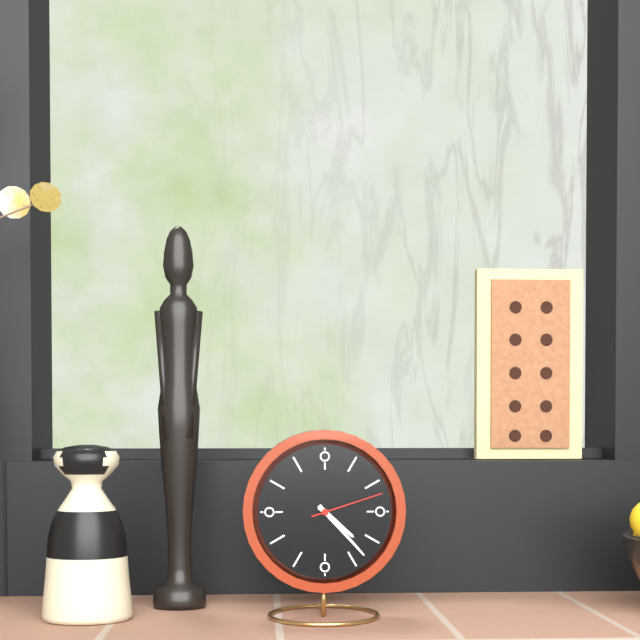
4,23,12
